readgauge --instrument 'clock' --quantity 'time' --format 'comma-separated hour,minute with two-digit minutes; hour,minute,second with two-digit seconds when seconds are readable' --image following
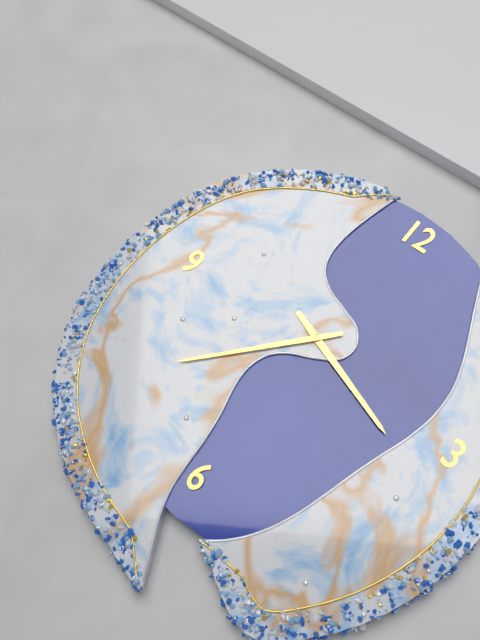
3,37
